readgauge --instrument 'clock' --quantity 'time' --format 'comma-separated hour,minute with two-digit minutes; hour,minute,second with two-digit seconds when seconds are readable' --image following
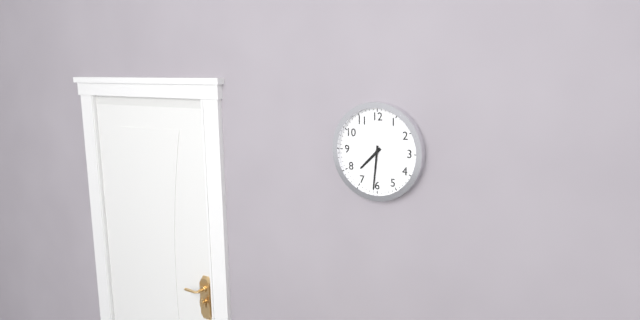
7,31
